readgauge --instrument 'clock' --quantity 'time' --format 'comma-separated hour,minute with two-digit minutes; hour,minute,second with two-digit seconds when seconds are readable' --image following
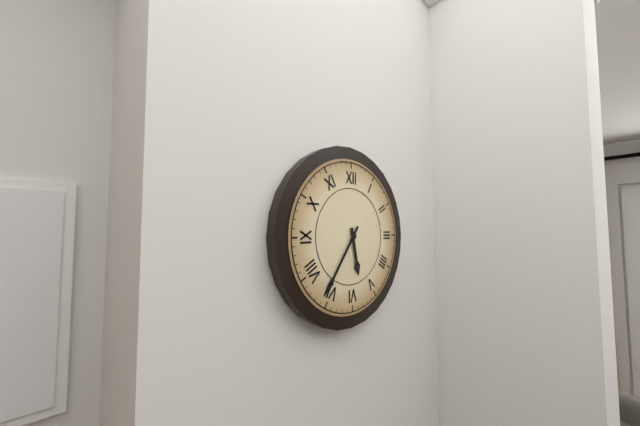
5,36
